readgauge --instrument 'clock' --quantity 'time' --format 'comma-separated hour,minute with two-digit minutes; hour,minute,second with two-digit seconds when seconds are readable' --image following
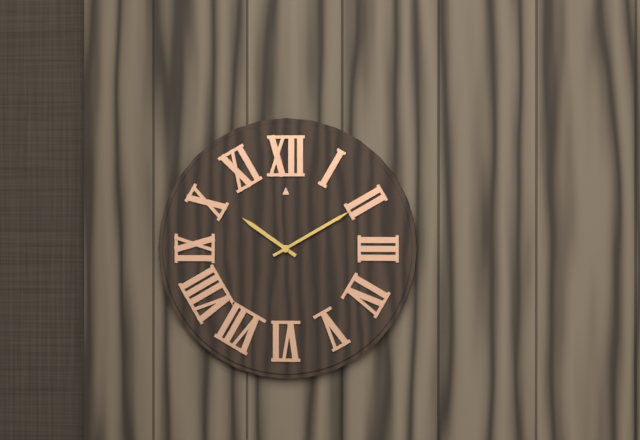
10,10
